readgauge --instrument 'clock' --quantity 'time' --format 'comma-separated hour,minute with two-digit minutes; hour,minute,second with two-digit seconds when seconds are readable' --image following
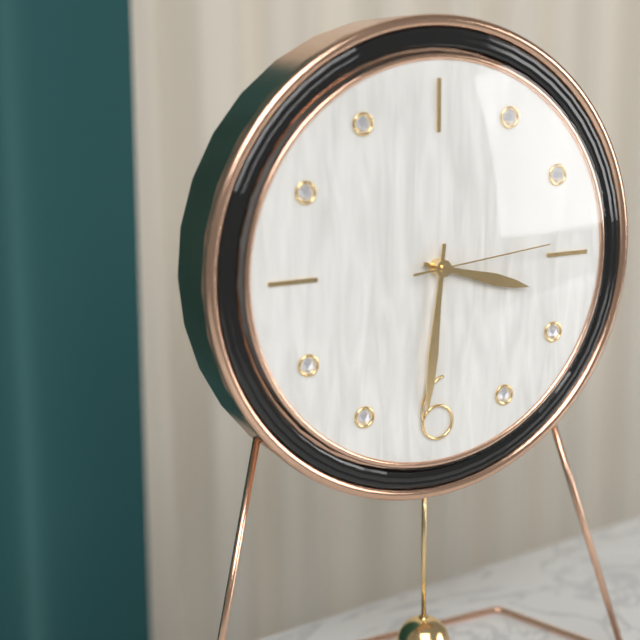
3,31,14
